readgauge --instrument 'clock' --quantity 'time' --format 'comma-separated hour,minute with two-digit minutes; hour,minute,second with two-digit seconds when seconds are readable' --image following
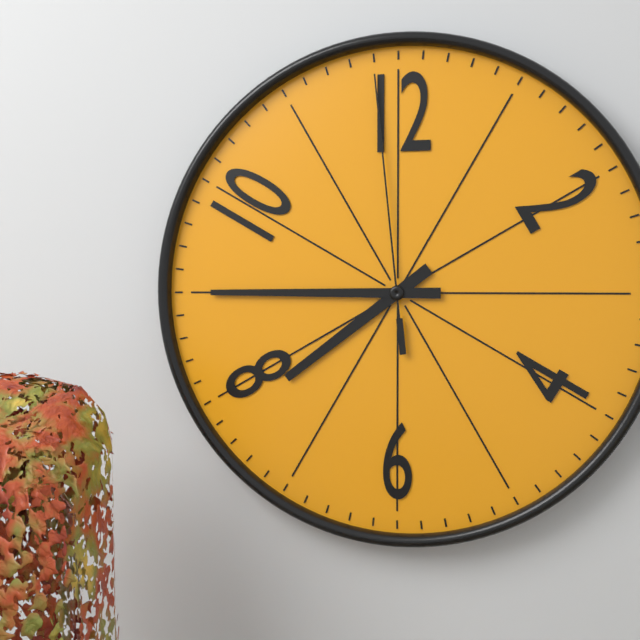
7,45,59
